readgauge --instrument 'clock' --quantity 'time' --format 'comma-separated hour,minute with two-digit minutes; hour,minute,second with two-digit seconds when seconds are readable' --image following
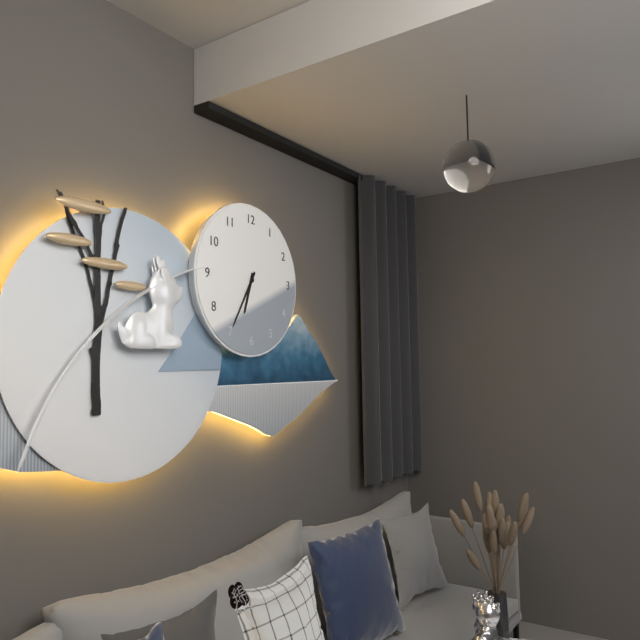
6,35
